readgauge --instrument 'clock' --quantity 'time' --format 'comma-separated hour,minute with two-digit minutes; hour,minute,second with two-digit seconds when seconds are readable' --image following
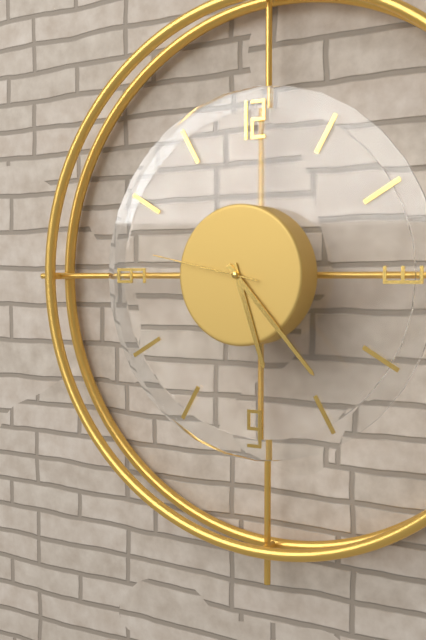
5,23,47
